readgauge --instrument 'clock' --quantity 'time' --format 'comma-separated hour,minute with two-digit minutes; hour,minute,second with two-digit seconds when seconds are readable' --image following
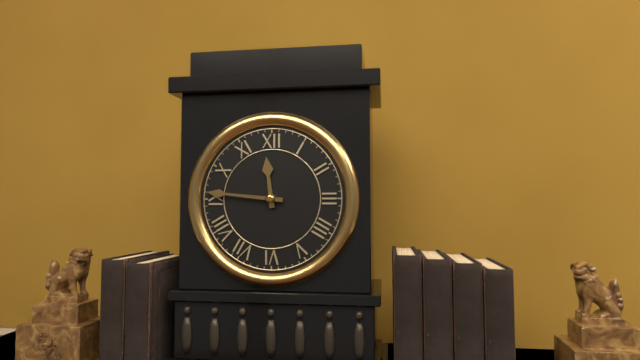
11,46
